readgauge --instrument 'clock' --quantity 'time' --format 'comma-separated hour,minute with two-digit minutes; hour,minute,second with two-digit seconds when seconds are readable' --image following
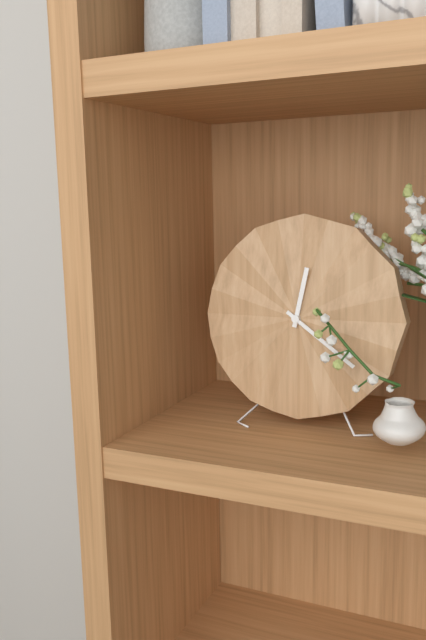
12,21
